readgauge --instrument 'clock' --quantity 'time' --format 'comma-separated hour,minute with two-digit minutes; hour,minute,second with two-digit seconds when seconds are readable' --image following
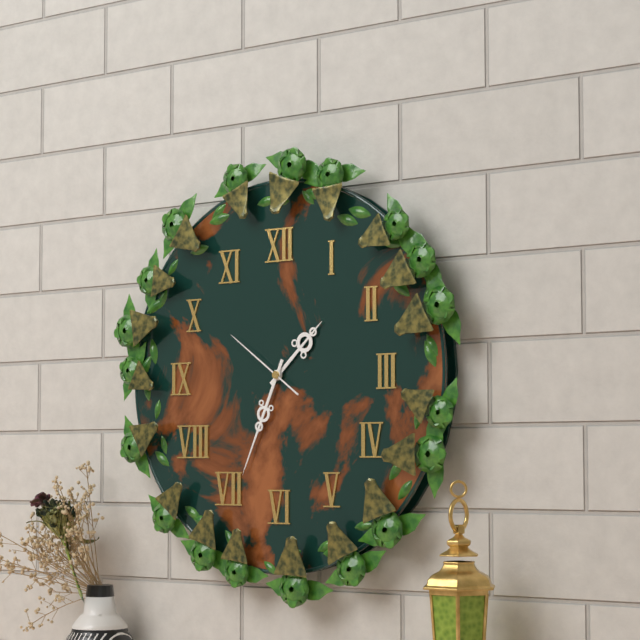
1,34,51
